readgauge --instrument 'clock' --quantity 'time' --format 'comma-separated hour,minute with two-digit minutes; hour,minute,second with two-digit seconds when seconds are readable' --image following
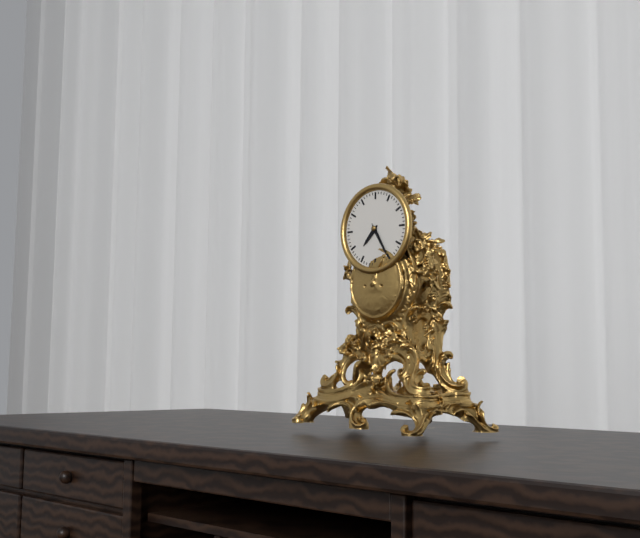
7,25
